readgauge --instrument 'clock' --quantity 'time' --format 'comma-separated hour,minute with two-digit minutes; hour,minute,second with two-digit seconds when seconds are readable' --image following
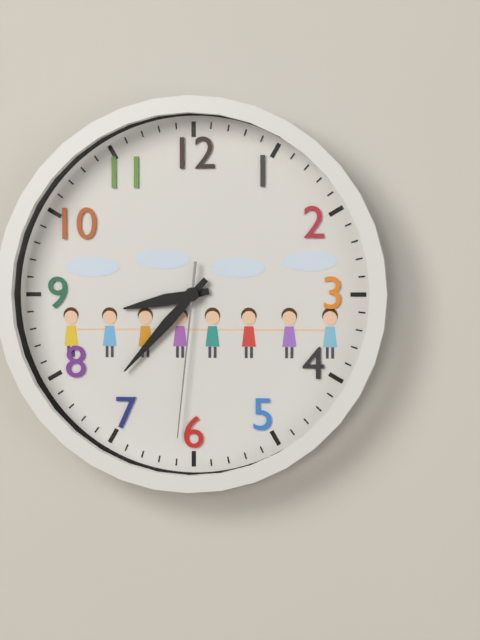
8,37,31
